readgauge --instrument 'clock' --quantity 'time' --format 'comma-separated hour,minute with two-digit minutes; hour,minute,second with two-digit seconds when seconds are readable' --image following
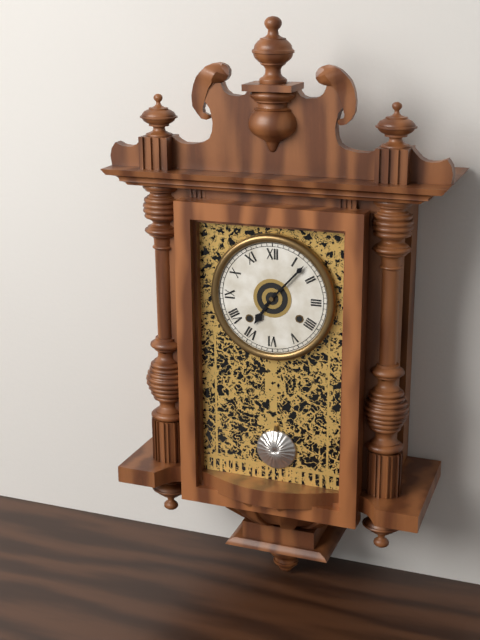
7,07
